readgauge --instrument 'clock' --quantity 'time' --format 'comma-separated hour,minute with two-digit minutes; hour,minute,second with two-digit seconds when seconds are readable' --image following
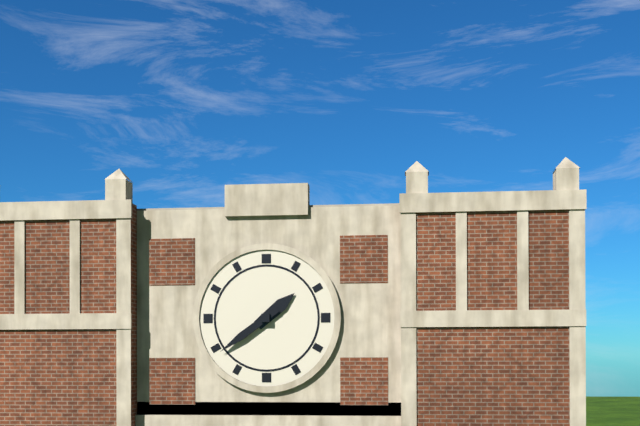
1,39
